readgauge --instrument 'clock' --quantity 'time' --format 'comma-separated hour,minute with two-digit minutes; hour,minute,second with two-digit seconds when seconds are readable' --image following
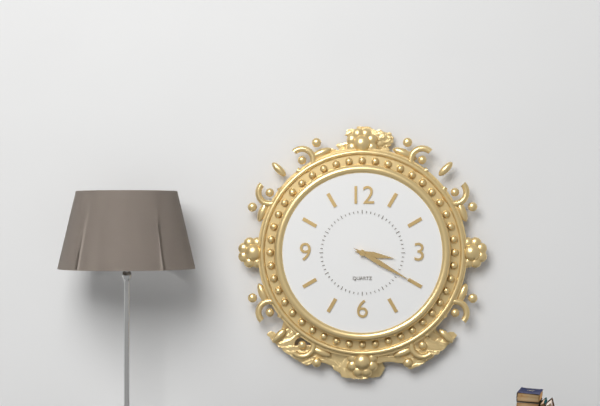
3,20
